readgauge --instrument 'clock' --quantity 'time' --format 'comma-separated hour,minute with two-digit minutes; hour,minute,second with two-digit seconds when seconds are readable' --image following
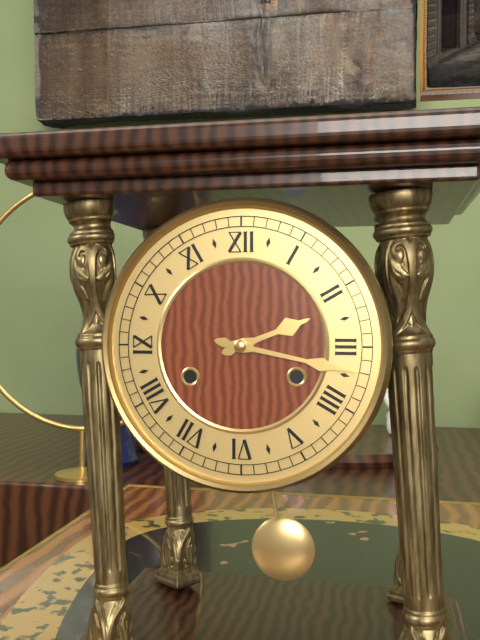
2,17
